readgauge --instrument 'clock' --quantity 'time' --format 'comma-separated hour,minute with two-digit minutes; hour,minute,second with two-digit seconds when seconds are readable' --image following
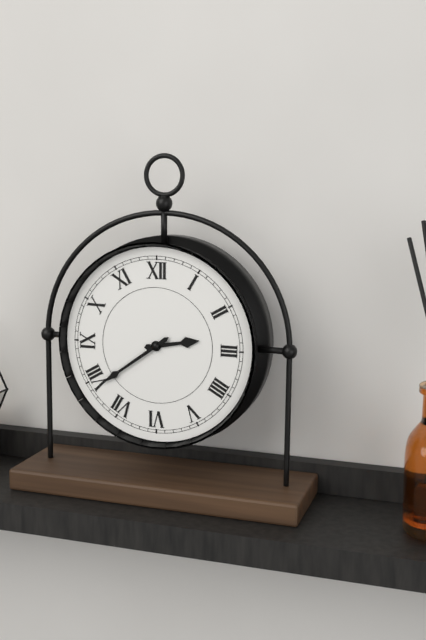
2,39
